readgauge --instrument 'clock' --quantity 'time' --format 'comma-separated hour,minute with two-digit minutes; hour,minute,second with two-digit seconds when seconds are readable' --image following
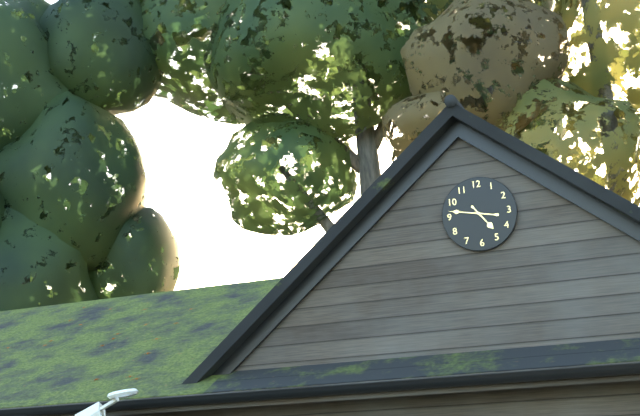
4,47
